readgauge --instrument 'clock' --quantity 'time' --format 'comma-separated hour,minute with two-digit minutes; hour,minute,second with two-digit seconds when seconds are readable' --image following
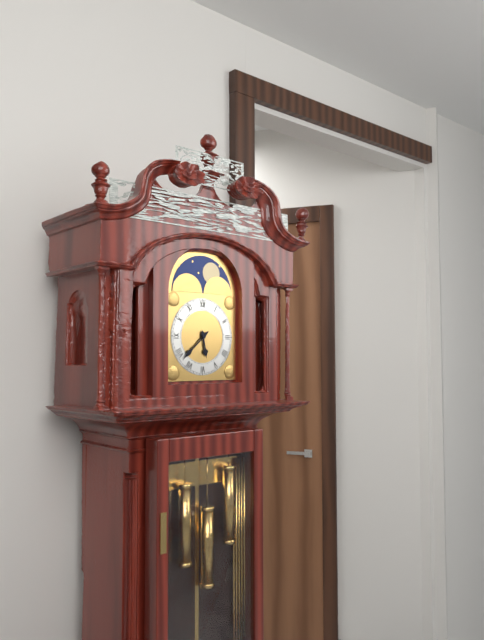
5,38
